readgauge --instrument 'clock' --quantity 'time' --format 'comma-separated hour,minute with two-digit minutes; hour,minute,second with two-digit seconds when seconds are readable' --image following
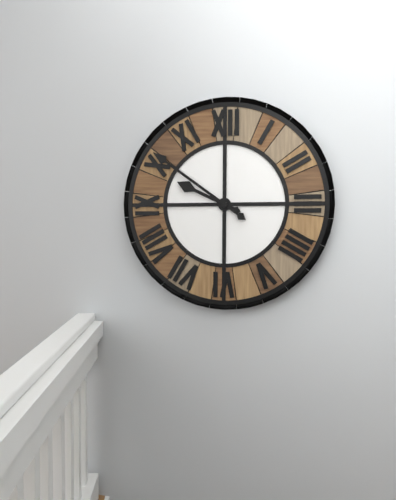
9,51
